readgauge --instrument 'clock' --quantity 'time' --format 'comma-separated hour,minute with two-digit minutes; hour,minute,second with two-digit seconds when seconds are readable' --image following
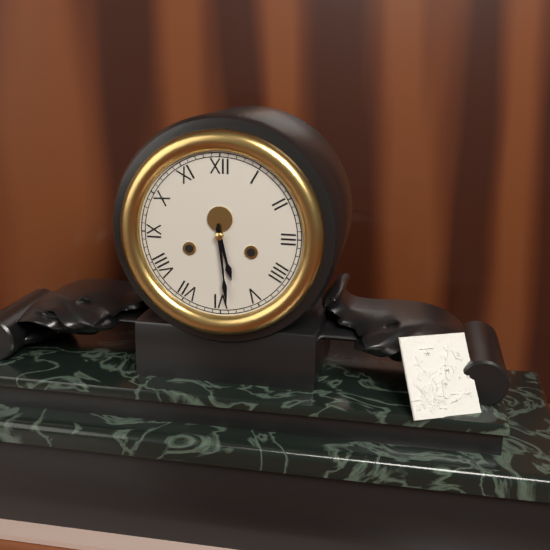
5,29
